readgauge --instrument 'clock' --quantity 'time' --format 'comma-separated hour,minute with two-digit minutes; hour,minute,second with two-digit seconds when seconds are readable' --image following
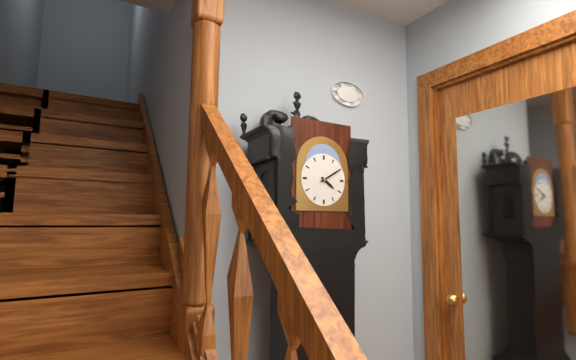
4,10
